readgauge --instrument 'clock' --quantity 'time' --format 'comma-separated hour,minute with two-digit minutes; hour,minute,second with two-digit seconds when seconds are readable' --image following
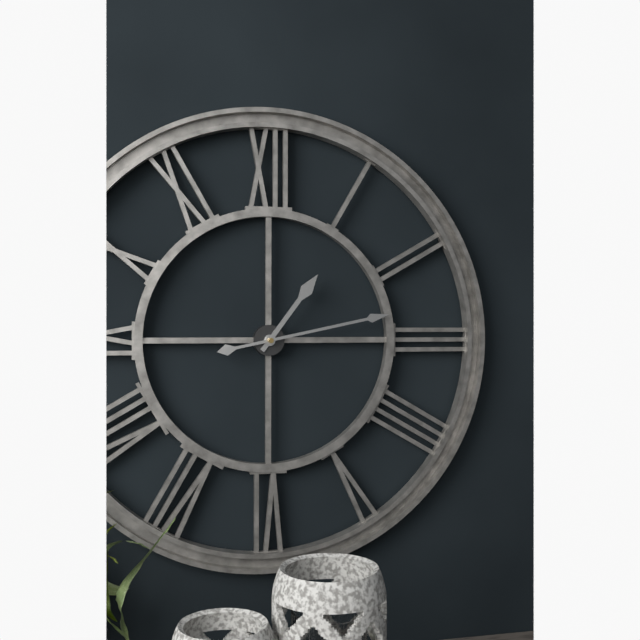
1,13
